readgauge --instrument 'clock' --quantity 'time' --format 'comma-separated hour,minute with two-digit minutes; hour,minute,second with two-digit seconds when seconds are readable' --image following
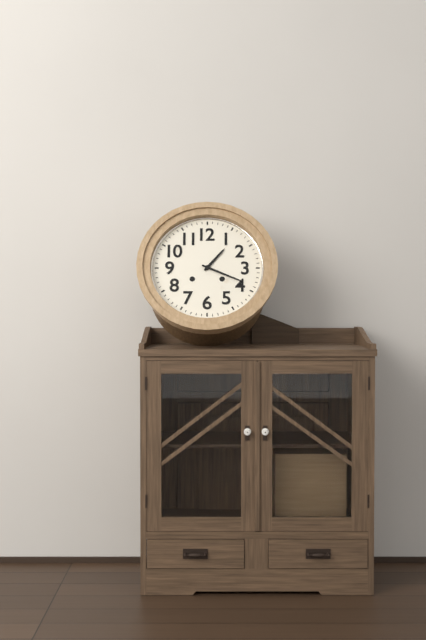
1,19
